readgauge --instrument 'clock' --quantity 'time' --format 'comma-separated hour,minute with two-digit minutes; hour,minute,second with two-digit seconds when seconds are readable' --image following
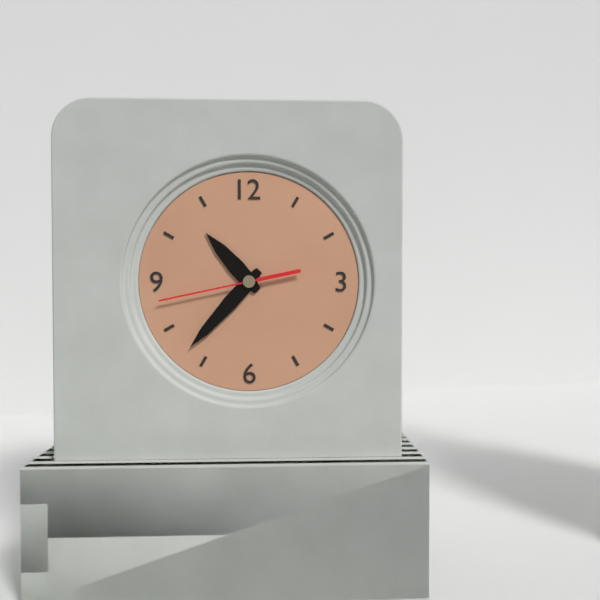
10,37,43
